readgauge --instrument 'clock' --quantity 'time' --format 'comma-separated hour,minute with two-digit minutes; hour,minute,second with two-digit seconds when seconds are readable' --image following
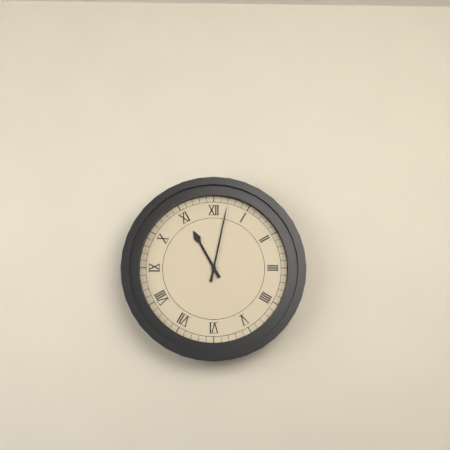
11,02
